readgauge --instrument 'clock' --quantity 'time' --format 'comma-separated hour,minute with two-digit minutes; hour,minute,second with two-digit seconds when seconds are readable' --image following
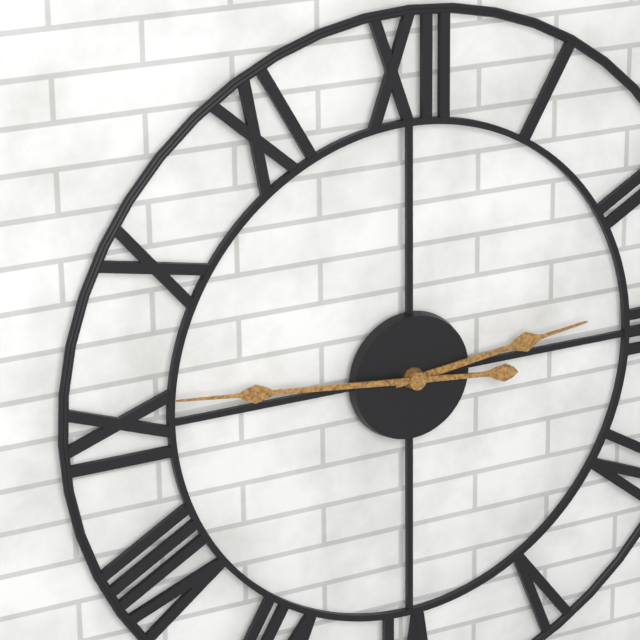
2,46
